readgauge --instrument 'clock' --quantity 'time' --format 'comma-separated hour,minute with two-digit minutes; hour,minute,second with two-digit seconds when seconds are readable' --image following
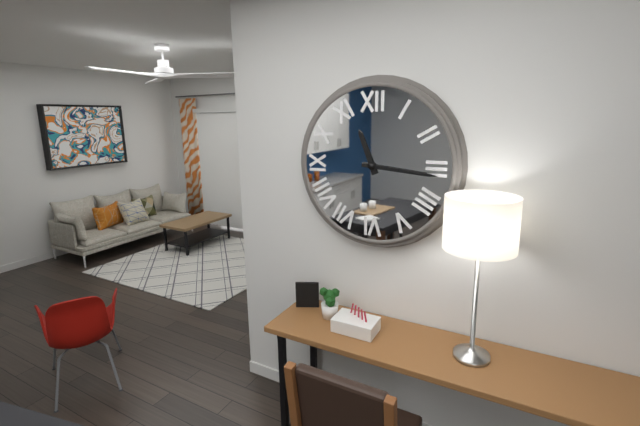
11,16
